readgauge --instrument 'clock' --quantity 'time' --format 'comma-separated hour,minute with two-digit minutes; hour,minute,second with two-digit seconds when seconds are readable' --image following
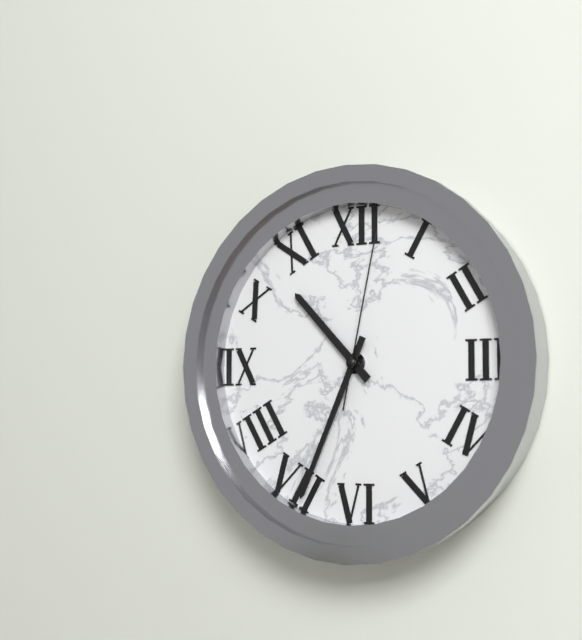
10,34,02
